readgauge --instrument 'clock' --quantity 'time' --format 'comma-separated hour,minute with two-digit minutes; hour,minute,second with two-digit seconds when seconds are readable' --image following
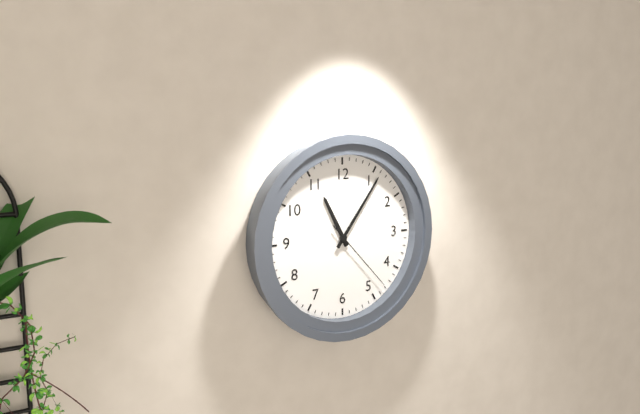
11,06,23
